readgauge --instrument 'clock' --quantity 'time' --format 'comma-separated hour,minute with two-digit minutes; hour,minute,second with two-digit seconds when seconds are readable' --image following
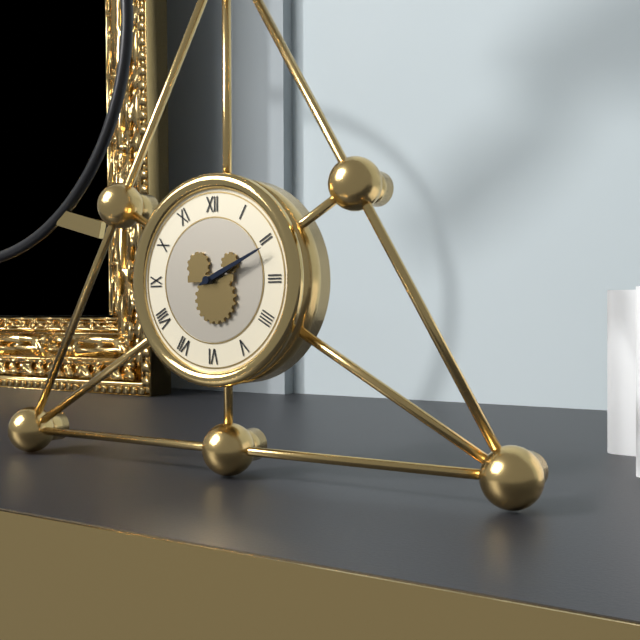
2,11
